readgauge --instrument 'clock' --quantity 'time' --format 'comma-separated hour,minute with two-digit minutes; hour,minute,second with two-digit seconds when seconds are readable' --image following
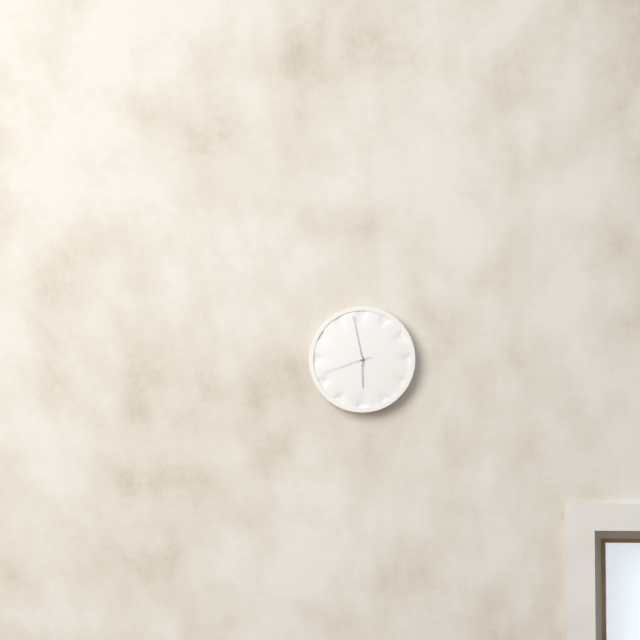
5,58,42
